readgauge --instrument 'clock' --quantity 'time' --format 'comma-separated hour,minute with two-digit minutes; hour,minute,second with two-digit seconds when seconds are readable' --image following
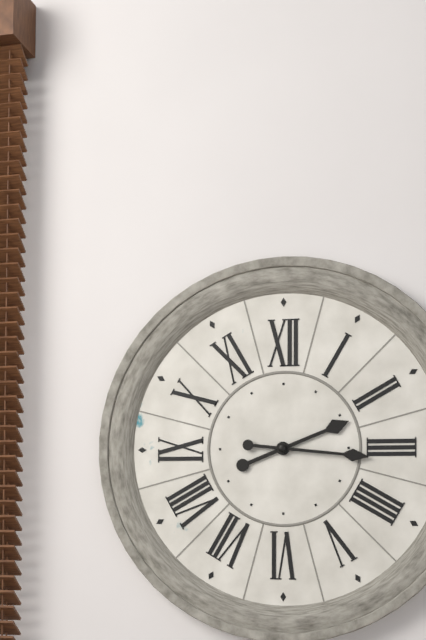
2,16
